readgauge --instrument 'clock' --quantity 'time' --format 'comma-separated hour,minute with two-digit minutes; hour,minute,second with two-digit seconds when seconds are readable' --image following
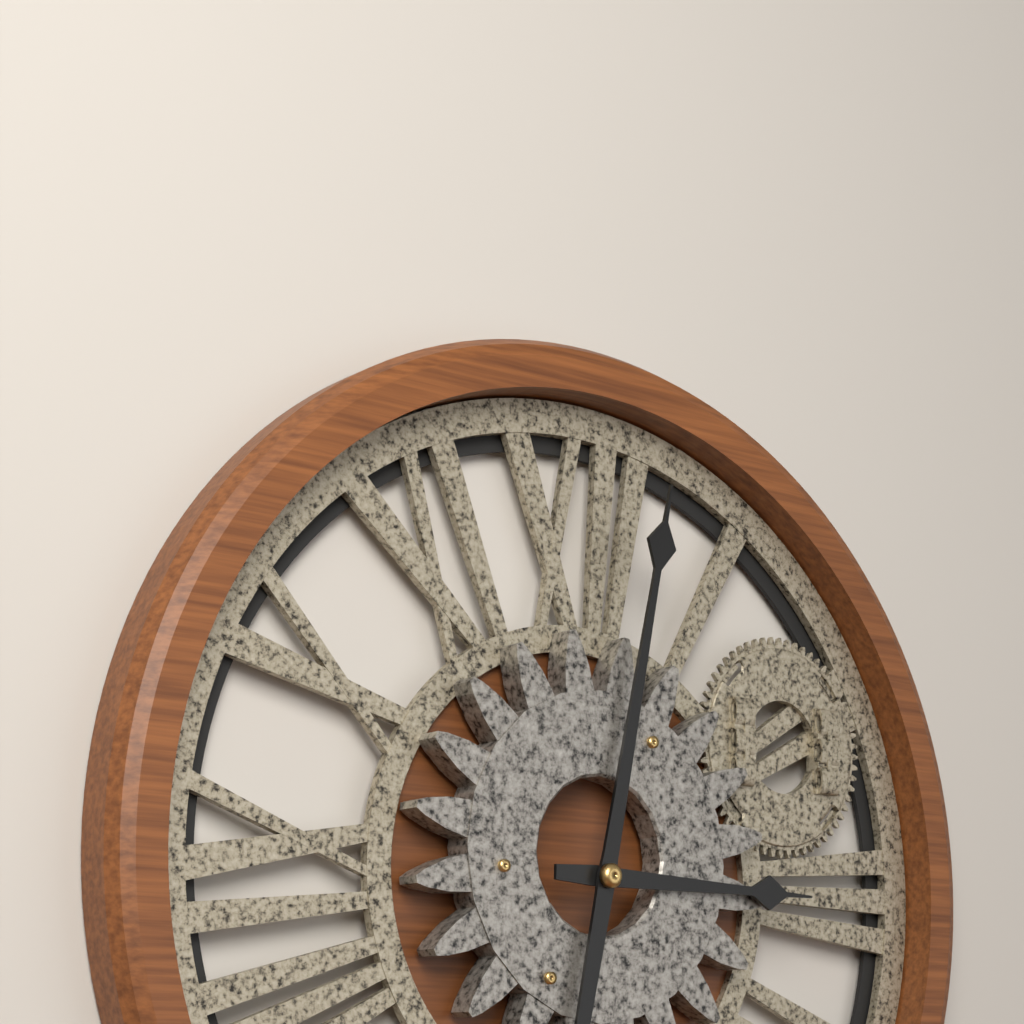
3,02
